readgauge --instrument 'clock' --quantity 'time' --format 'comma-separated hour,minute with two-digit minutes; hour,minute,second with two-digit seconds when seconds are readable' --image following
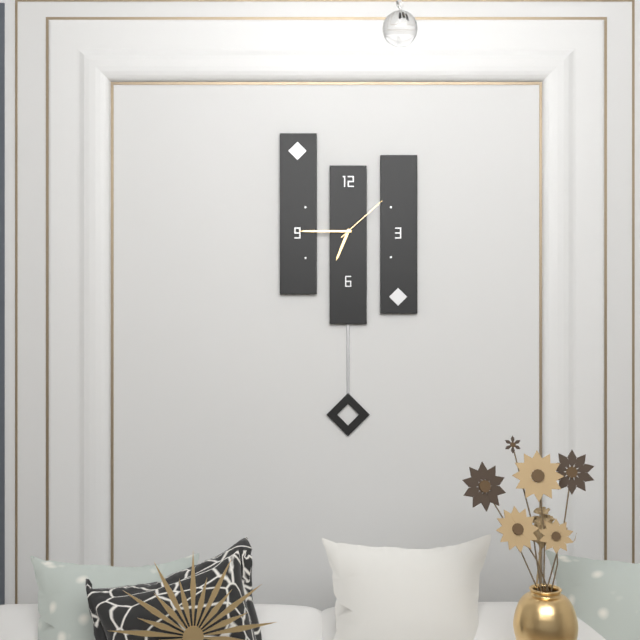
6,45,08
